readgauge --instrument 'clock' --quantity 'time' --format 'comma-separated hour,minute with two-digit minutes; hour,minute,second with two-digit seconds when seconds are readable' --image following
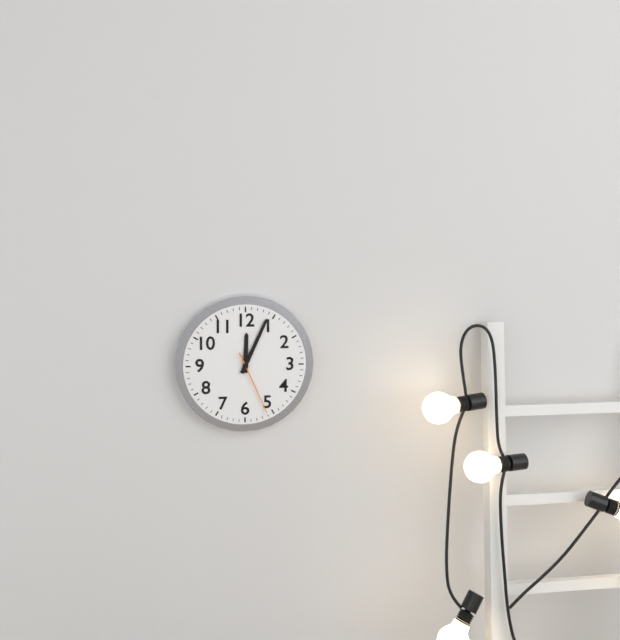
12,04,26
